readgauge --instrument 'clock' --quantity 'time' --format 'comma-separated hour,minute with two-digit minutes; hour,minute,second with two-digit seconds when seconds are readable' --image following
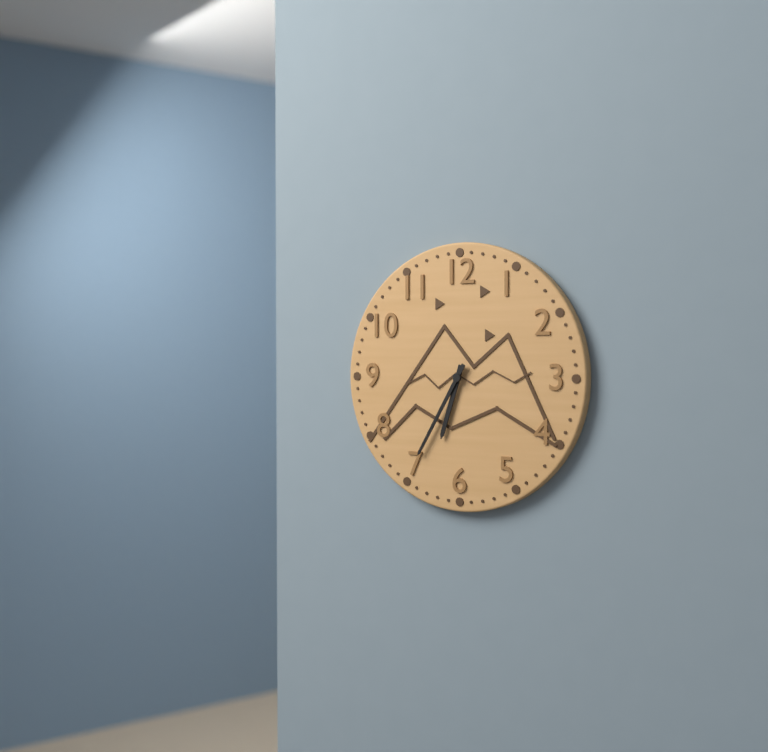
6,35
